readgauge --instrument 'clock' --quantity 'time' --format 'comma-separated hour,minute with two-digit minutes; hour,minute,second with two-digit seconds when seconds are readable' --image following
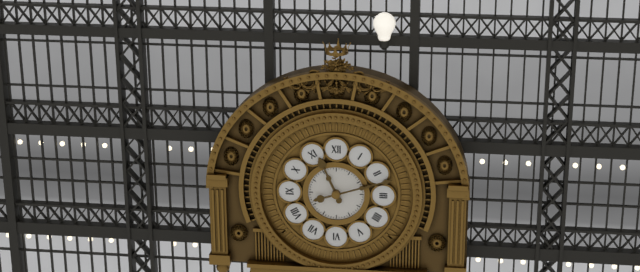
11,12
